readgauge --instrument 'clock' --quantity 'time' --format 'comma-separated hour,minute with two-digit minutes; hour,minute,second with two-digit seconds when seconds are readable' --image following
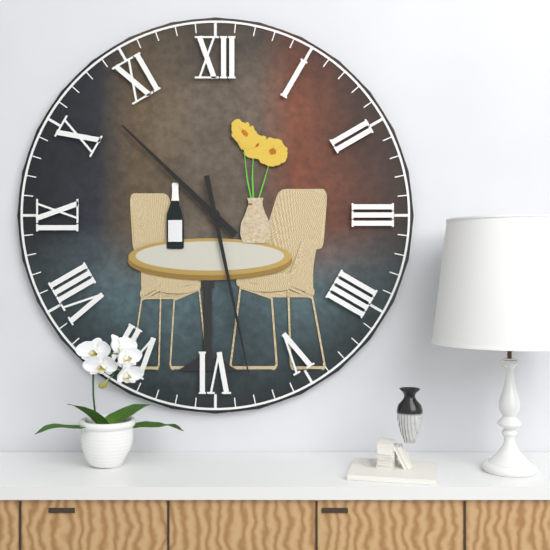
10,28
